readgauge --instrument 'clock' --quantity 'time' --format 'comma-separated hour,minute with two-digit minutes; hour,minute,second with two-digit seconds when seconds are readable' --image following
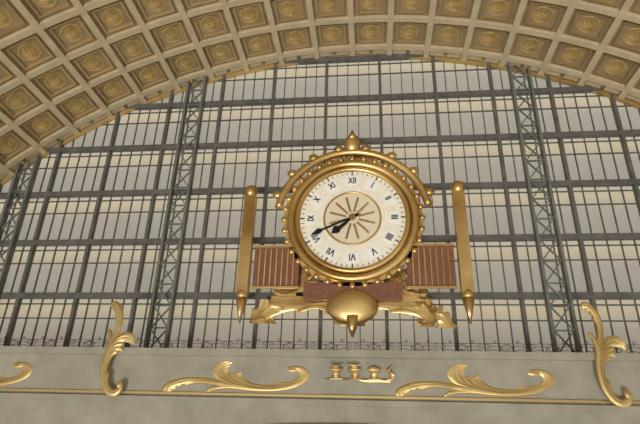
7,41
